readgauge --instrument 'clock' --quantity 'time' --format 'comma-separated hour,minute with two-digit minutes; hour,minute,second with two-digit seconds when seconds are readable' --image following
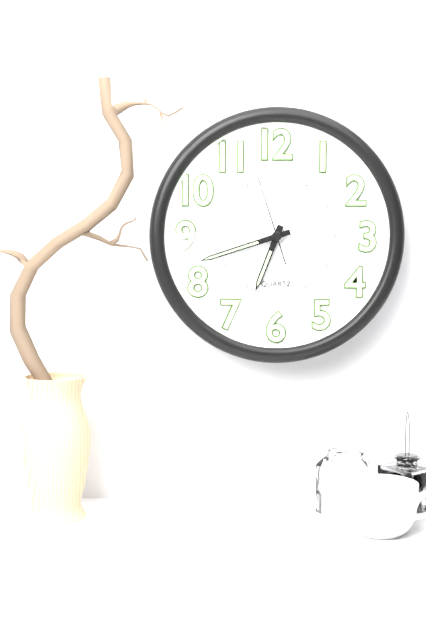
6,42,57
